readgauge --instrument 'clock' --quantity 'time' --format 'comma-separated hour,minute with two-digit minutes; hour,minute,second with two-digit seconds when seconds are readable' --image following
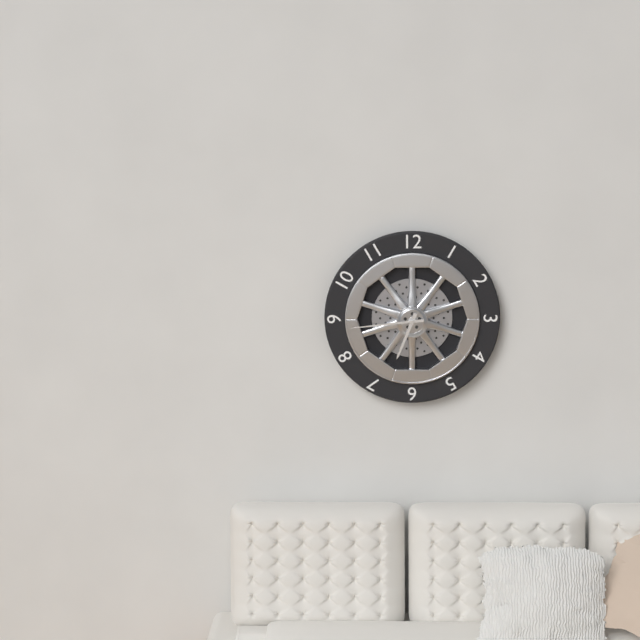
6,44
